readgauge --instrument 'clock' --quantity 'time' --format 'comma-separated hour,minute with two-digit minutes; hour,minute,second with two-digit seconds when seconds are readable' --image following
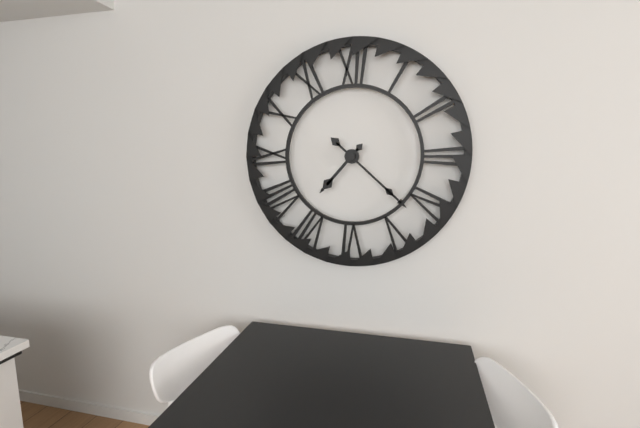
7,22
